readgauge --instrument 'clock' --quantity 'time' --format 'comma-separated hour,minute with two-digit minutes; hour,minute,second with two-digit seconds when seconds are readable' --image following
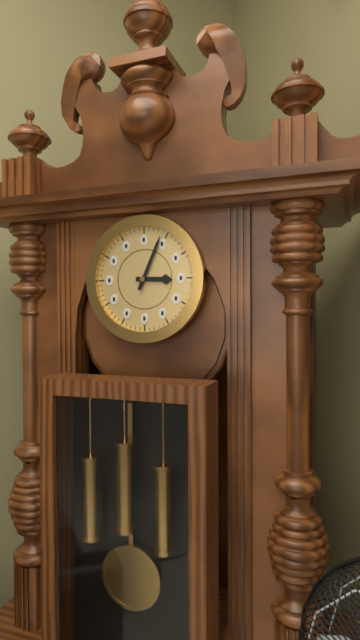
3,04
